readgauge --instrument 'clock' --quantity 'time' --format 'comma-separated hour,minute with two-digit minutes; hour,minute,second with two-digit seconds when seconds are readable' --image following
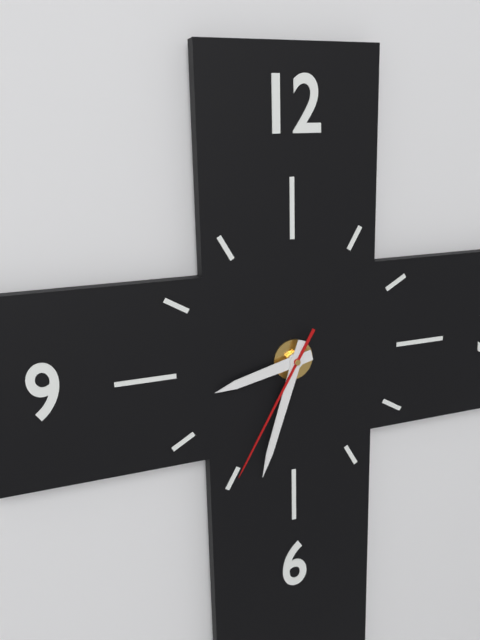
8,33,35
